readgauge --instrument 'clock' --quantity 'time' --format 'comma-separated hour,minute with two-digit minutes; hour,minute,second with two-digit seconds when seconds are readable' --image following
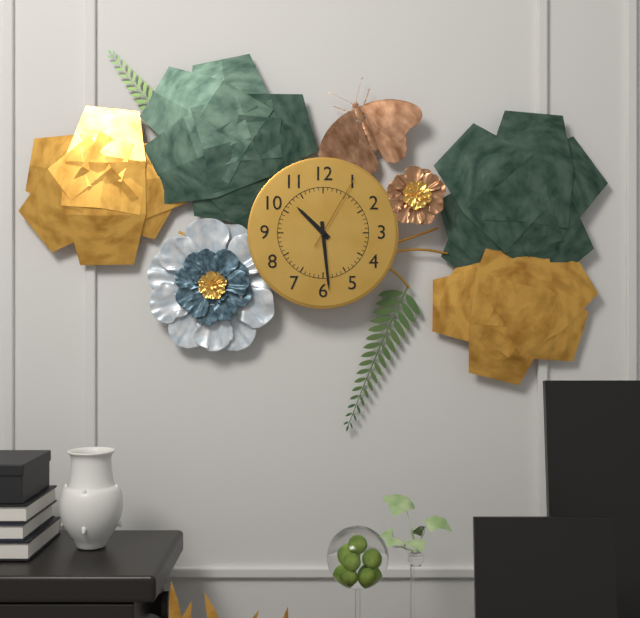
10,29,05
